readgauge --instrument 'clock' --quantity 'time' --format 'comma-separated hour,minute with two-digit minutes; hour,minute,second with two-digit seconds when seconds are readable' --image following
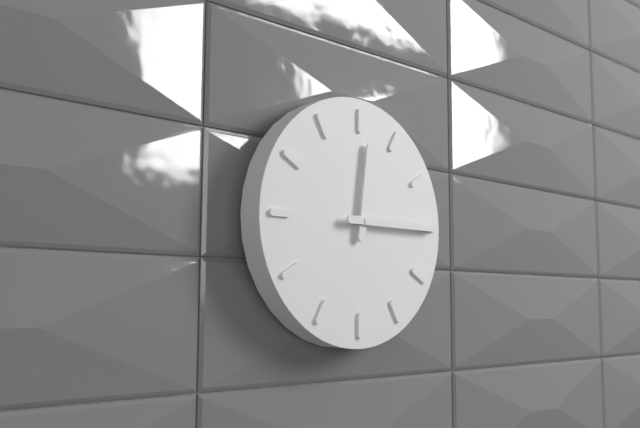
12,15
